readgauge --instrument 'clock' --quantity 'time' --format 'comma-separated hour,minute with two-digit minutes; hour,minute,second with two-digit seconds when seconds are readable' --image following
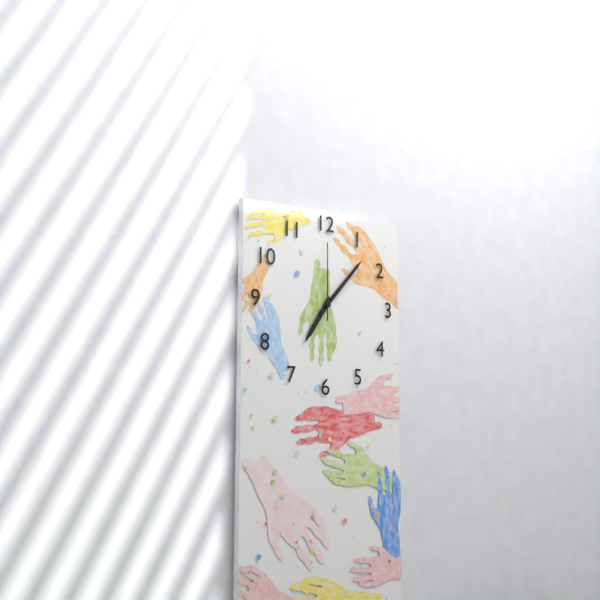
7,07,00
